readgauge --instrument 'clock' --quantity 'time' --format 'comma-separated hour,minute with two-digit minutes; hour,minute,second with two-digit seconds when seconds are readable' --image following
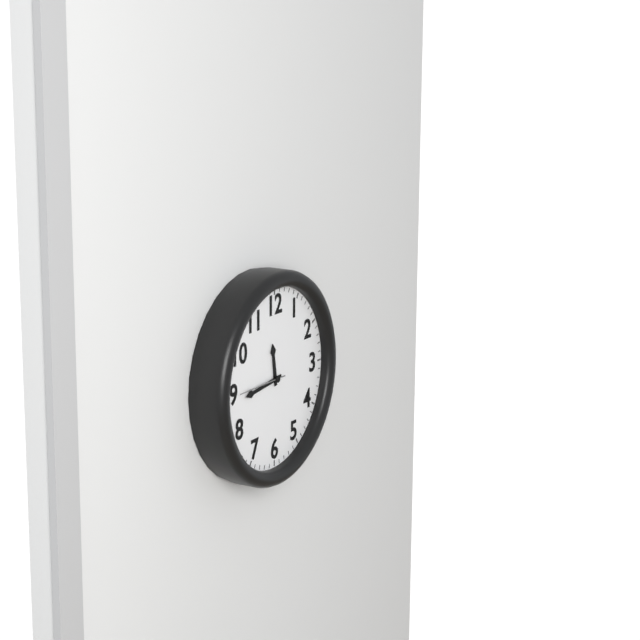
11,44
